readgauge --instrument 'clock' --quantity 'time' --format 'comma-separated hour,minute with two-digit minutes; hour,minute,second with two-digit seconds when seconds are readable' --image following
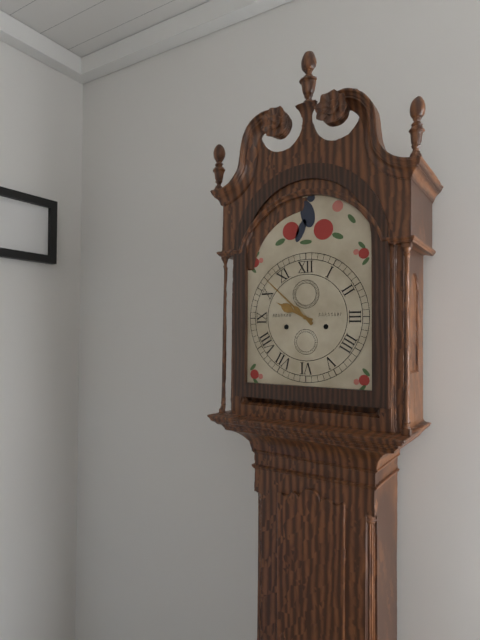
9,52
